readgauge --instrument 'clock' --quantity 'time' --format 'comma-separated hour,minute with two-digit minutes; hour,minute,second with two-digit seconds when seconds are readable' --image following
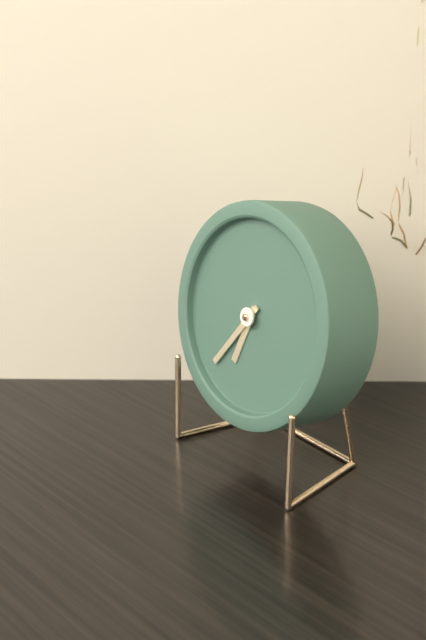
6,36
